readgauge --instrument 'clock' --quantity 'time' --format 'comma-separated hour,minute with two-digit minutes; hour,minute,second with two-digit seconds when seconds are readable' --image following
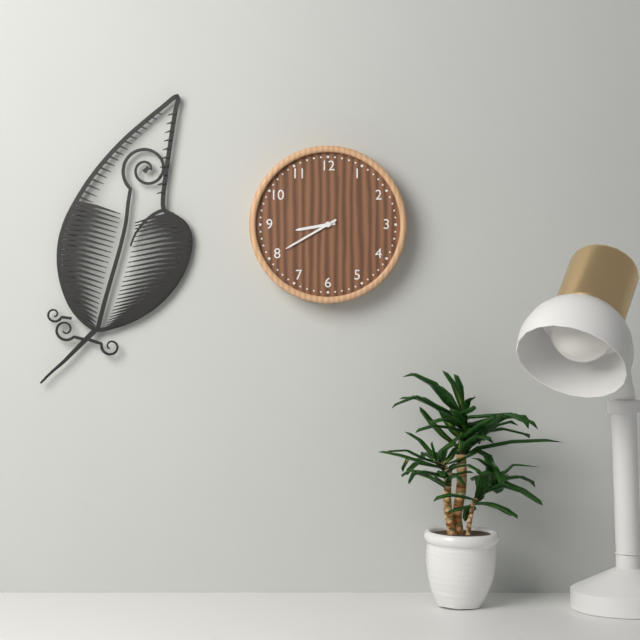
8,40
